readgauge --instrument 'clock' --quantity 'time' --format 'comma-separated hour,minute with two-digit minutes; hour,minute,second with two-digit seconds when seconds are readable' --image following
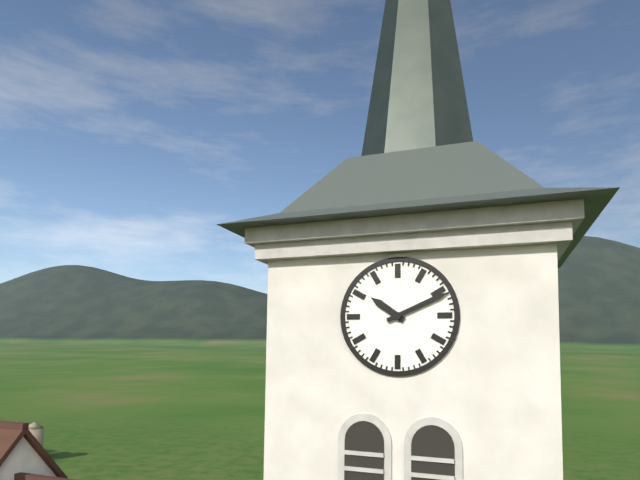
10,11
